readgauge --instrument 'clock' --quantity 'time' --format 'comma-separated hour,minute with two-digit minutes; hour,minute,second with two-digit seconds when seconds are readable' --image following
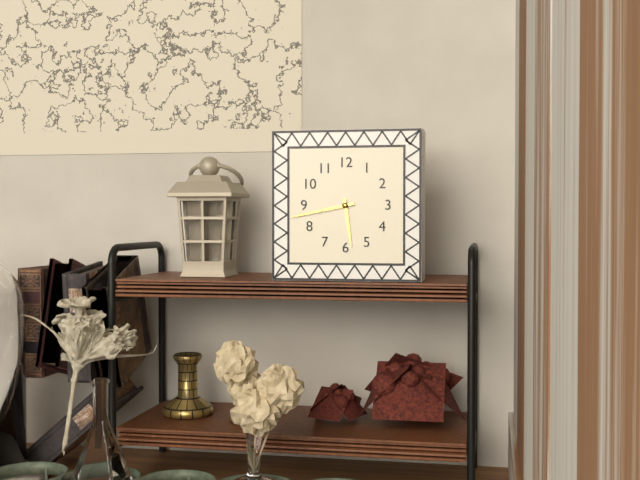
5,43
